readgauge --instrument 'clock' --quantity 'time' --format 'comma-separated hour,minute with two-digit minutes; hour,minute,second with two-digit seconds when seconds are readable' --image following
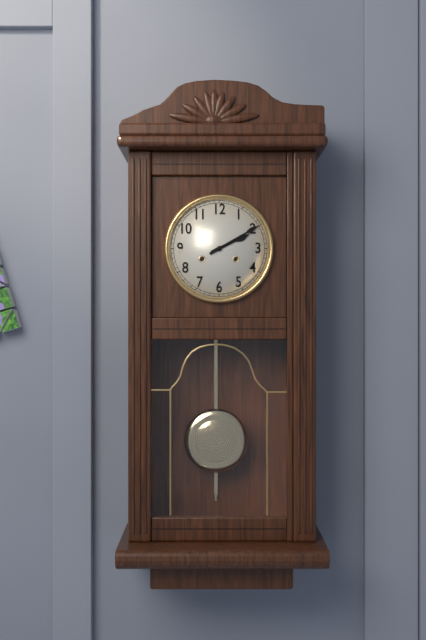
2,10
